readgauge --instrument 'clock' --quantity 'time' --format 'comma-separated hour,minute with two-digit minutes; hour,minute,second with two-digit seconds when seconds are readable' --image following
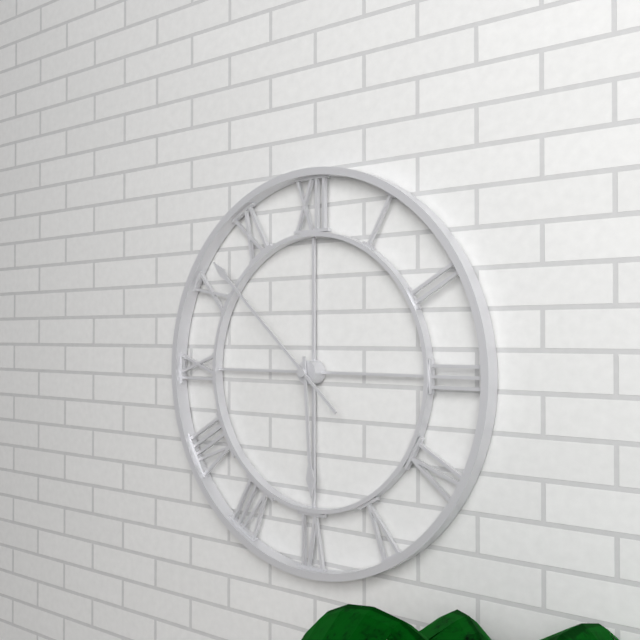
5,52
